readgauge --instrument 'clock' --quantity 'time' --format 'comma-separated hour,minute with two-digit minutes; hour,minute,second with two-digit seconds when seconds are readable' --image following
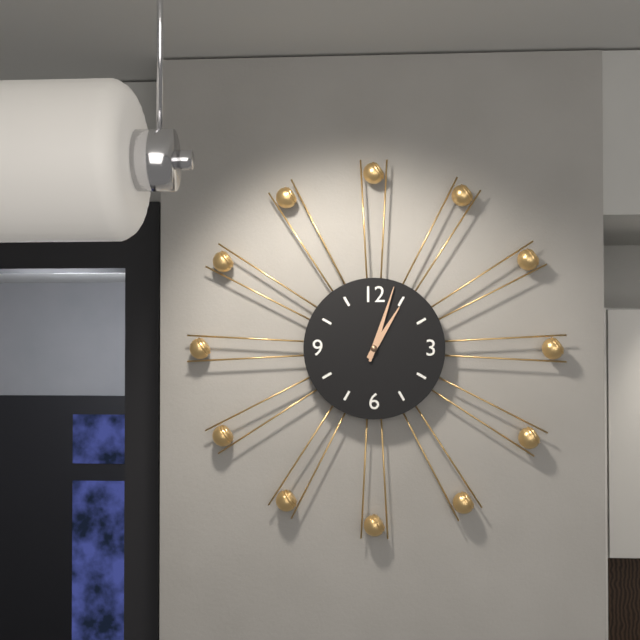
1,03
